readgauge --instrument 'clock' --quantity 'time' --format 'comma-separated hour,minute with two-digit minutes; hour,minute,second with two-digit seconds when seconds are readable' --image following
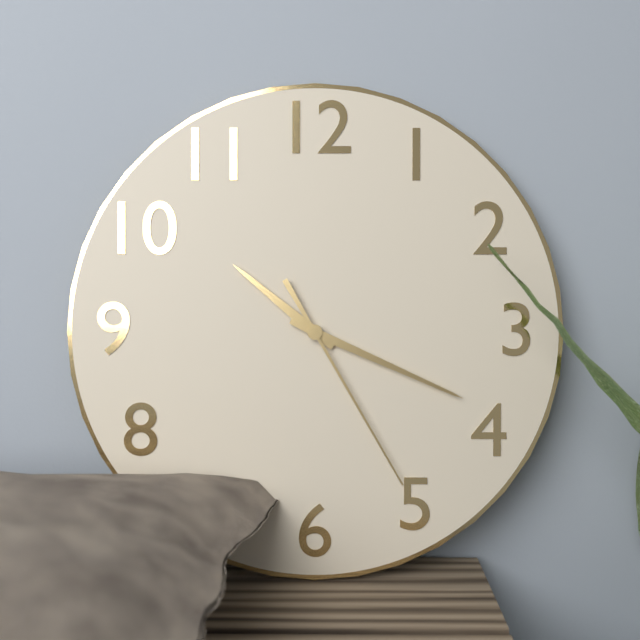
10,19,25
